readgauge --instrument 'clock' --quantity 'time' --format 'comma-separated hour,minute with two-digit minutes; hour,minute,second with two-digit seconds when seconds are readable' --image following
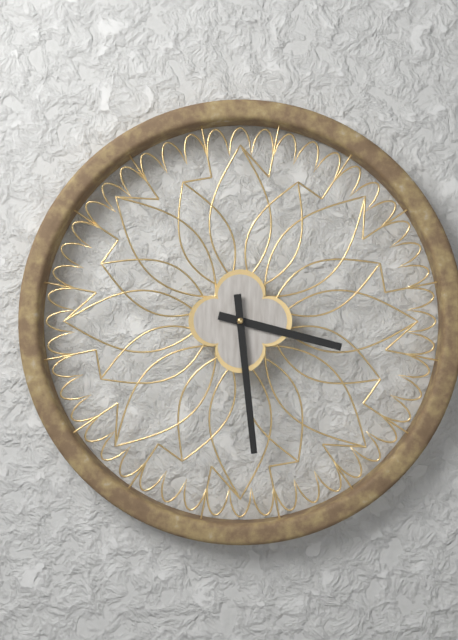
3,29
